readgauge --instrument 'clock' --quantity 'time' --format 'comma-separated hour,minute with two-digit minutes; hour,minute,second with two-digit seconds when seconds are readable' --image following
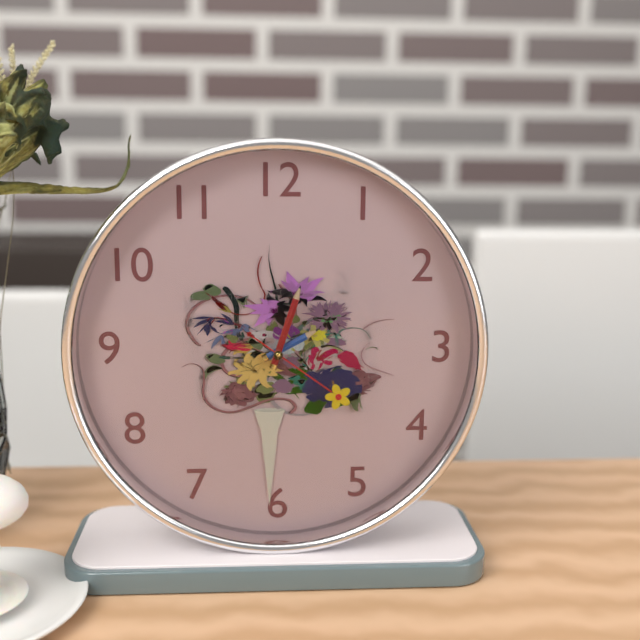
2,03,21
